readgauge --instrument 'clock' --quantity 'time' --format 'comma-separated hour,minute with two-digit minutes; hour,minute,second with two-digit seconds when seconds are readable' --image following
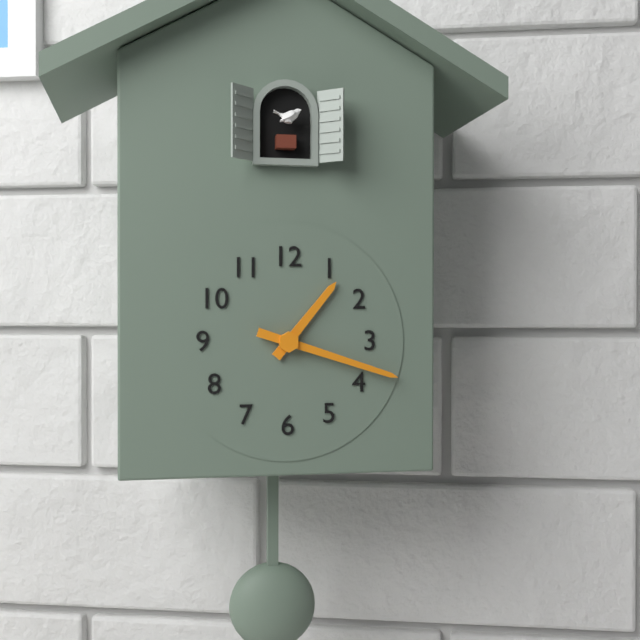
1,18
